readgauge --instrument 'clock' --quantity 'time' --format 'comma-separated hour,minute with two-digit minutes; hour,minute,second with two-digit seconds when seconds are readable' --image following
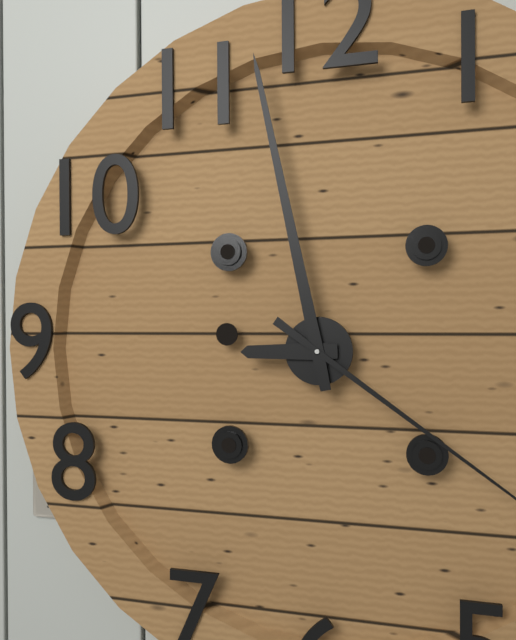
8,58
